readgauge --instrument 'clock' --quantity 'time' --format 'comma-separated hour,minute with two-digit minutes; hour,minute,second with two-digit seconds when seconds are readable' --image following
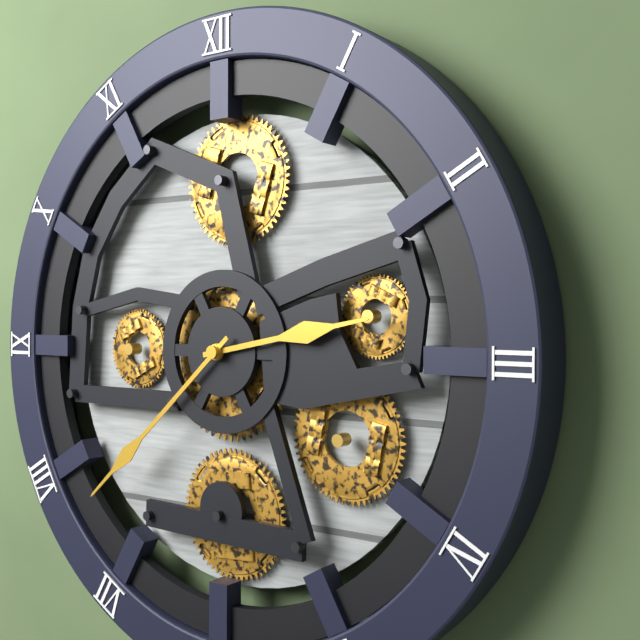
2,38
